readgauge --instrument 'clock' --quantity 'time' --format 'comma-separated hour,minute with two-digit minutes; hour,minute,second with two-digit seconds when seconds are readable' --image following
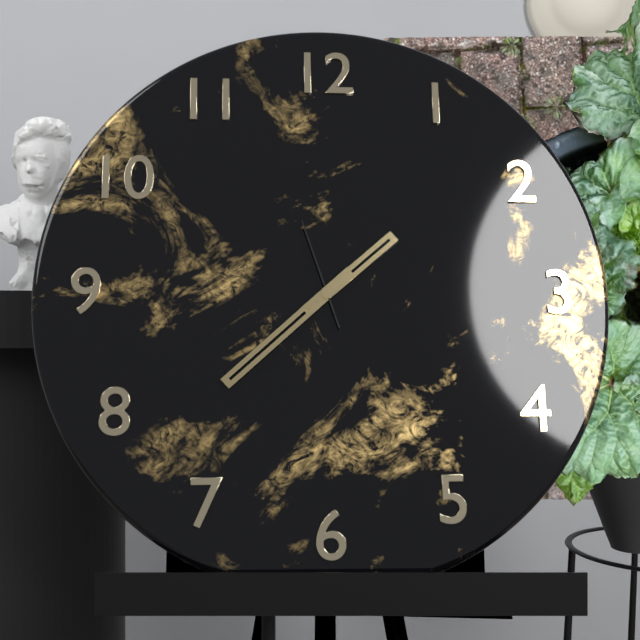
1,38,57
